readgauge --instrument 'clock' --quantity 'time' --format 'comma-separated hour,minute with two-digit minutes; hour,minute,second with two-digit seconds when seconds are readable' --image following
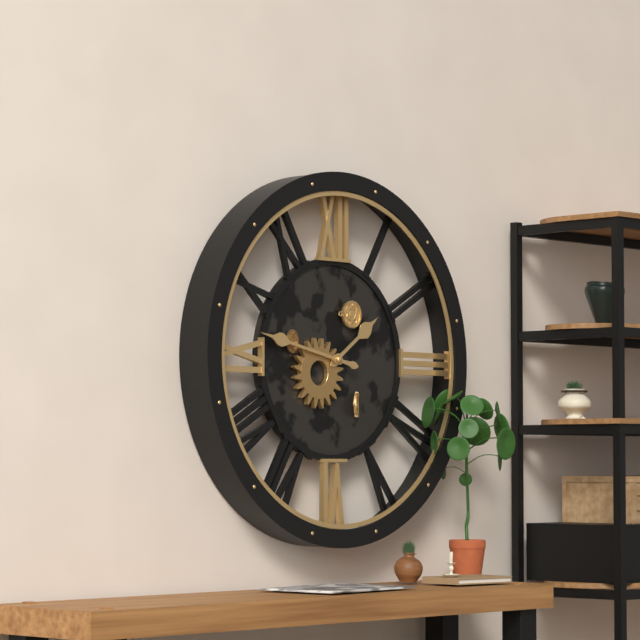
1,47
